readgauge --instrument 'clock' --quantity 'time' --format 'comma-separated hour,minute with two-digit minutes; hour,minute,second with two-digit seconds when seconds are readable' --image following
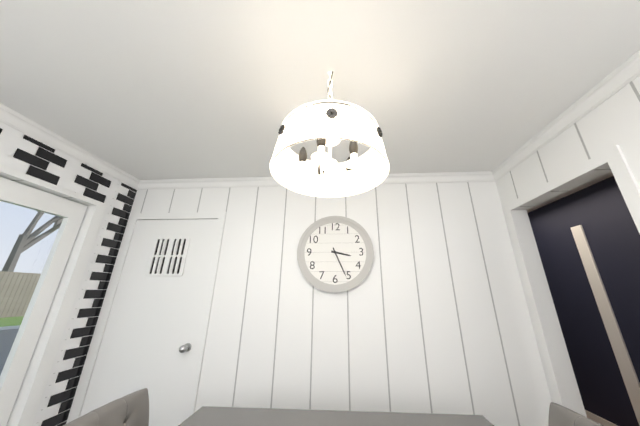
3,26
